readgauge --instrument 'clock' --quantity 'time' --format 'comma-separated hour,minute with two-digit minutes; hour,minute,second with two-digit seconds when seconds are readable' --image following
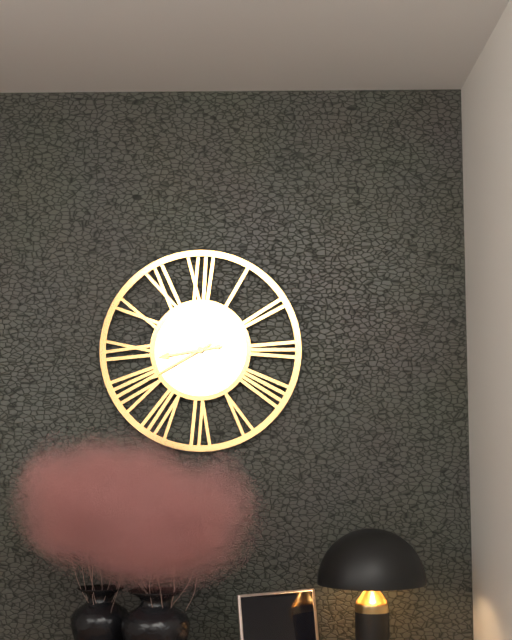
8,40
